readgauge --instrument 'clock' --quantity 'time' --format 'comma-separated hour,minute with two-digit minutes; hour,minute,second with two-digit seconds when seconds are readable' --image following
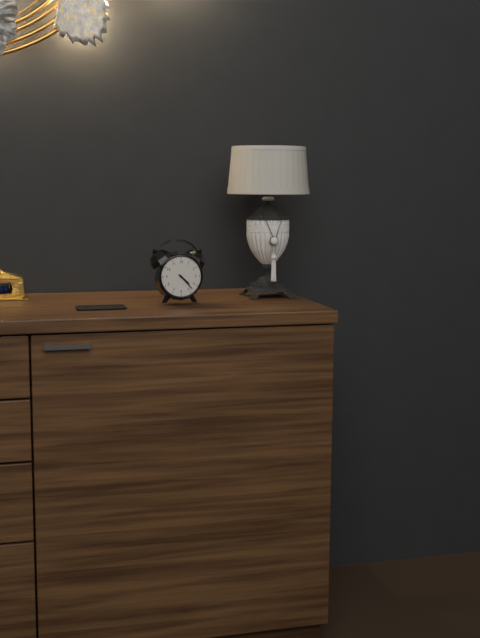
4,23
